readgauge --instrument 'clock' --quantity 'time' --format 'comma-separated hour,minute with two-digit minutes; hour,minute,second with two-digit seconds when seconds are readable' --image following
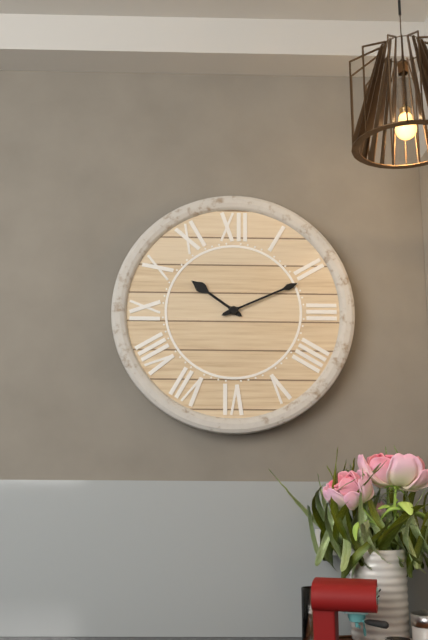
10,11
